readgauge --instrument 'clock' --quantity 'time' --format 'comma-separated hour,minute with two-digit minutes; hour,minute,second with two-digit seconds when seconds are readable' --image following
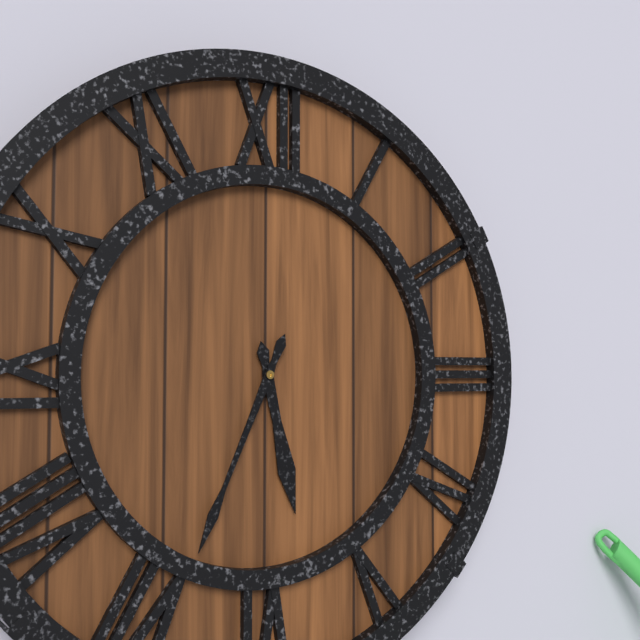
5,34
